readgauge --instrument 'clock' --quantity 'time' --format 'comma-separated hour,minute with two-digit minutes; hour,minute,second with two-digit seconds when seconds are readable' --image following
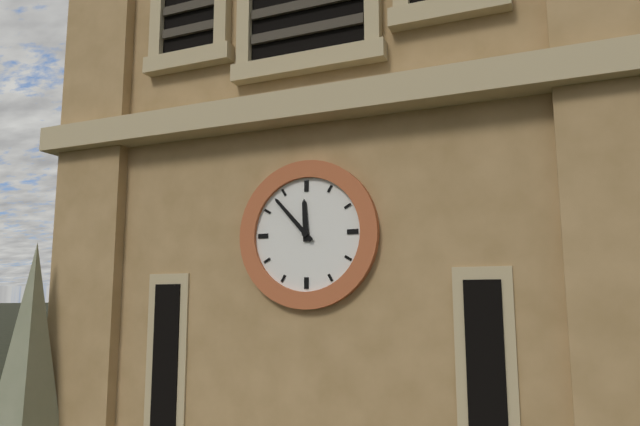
11,53
